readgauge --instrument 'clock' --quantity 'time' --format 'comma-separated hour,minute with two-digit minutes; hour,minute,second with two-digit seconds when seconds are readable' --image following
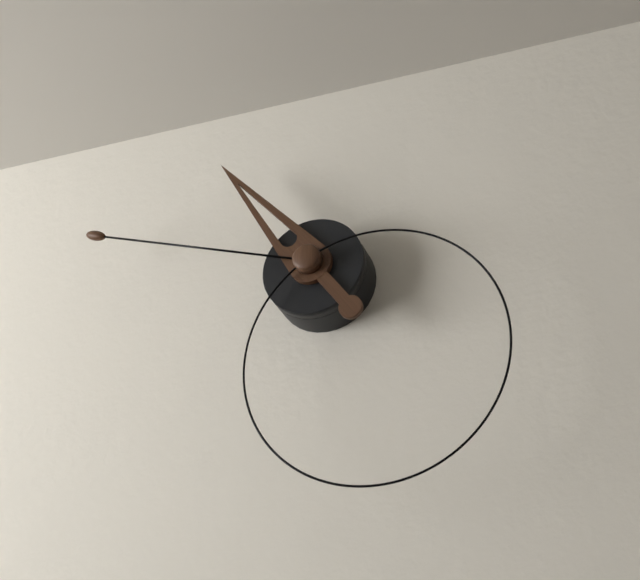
10,48,25
